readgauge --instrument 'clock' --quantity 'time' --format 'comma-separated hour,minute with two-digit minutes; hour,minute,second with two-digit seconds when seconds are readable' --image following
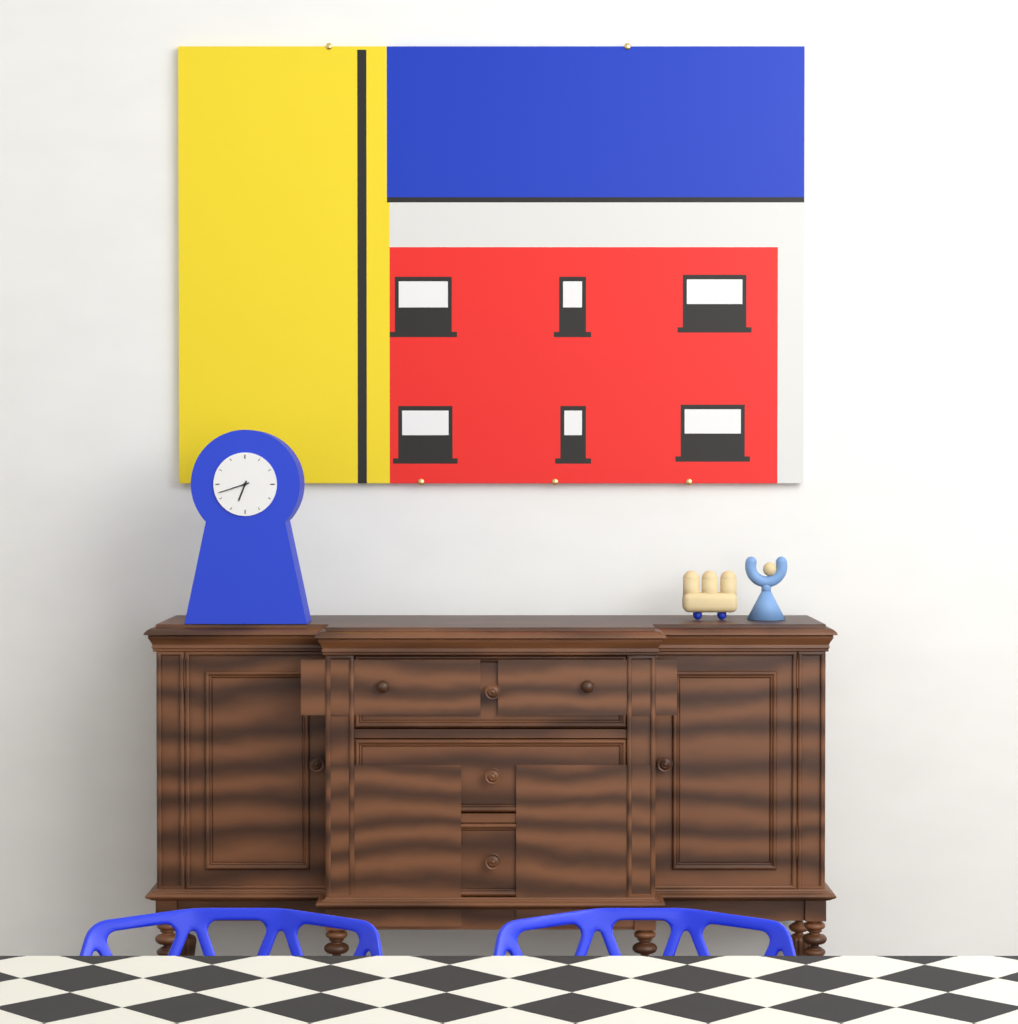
6,42
